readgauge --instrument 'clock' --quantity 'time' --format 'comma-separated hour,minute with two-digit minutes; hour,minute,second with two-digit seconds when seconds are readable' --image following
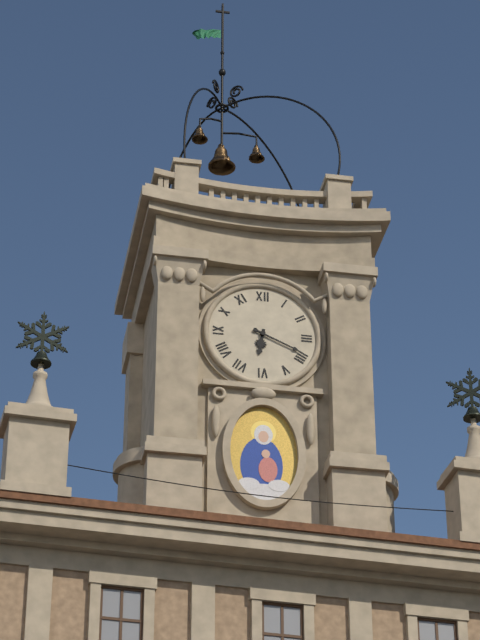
6,19
